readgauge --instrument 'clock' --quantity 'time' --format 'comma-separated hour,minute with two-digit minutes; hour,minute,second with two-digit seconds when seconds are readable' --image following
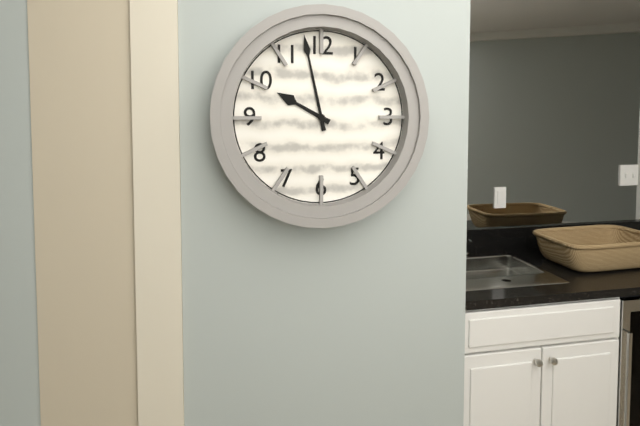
9,58
